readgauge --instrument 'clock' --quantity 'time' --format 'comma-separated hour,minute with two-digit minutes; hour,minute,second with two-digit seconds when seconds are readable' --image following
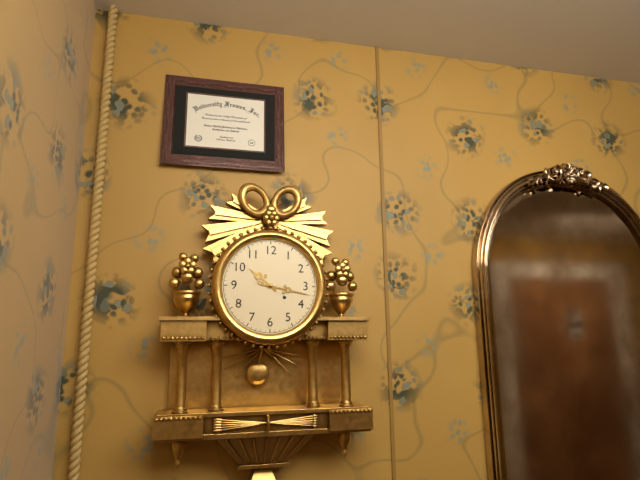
10,17
